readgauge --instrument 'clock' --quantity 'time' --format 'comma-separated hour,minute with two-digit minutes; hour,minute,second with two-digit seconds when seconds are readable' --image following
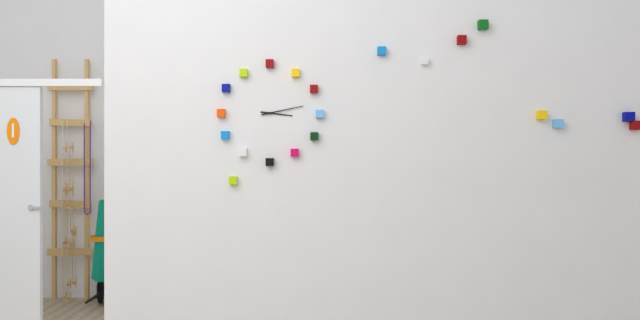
3,13
